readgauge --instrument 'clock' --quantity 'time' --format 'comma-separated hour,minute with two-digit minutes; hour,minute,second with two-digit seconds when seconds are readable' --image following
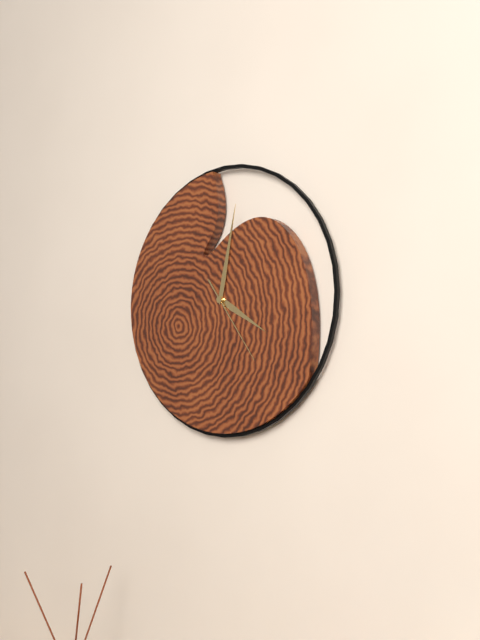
4,02,24
